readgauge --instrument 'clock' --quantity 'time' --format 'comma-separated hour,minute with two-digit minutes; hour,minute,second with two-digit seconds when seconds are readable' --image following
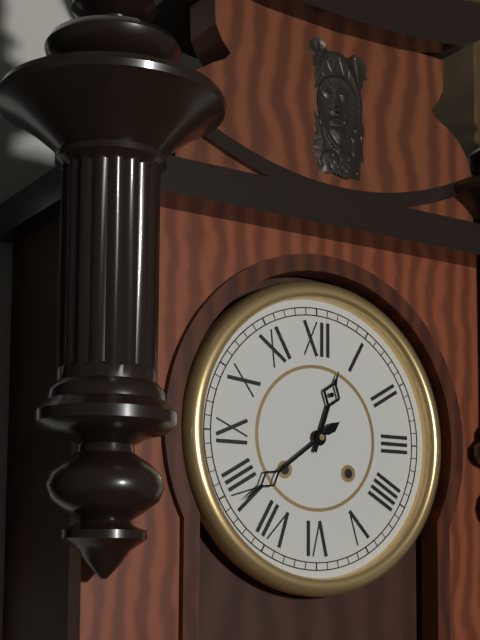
12,39
